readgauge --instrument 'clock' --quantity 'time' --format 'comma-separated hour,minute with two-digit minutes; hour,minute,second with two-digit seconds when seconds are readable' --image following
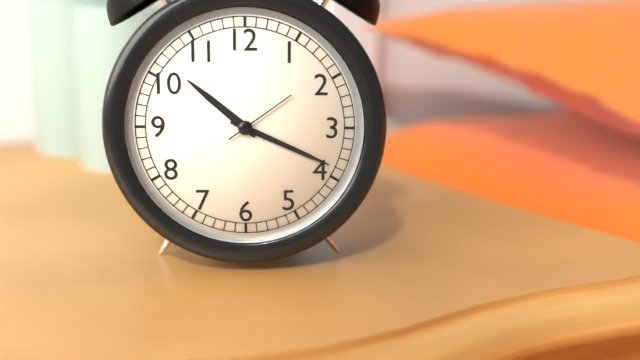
10,19,09
